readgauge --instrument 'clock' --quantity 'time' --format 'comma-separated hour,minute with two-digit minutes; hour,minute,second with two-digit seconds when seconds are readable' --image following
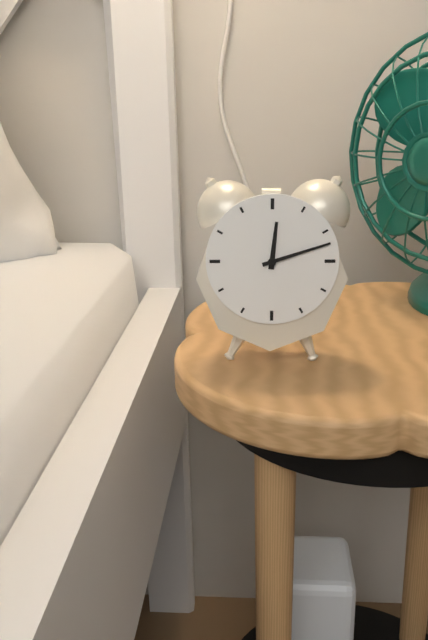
12,12
